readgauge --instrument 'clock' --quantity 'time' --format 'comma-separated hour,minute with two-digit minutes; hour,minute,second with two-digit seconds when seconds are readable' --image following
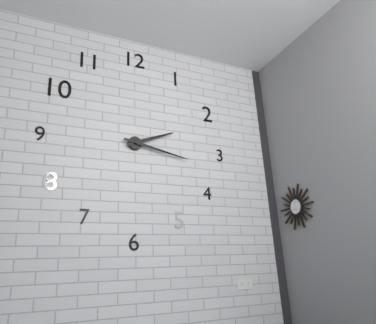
2,17
